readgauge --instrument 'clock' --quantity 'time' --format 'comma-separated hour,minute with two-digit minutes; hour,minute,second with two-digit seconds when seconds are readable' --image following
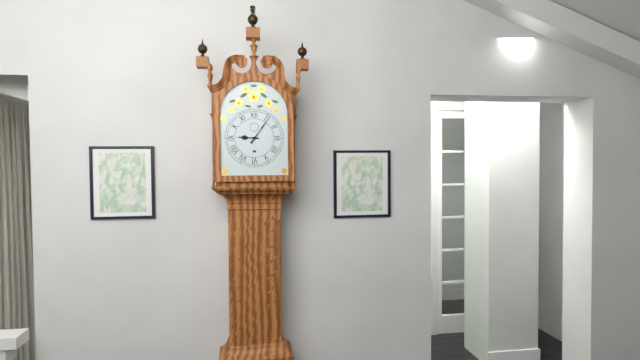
9,06
